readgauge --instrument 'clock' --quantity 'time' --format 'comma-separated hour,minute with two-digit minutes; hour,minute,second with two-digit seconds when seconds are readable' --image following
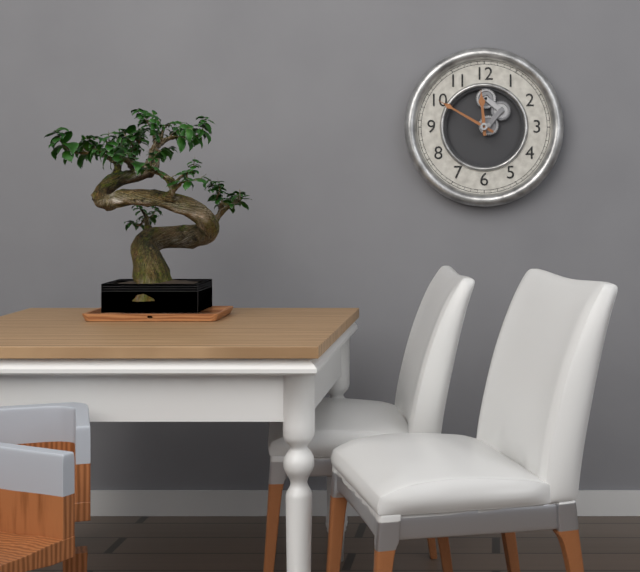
11,50
